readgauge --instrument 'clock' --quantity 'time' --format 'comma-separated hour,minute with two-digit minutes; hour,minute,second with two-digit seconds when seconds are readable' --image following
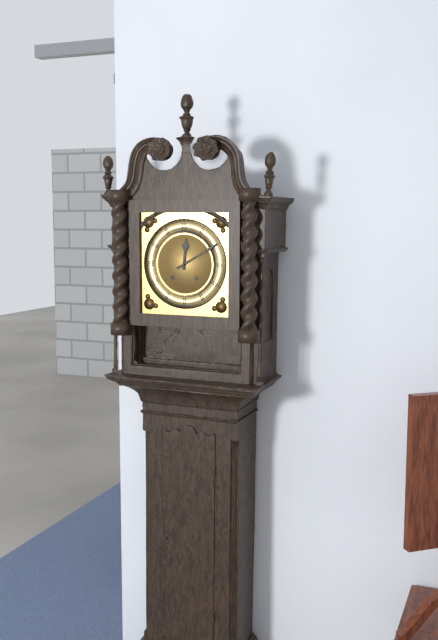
12,10
